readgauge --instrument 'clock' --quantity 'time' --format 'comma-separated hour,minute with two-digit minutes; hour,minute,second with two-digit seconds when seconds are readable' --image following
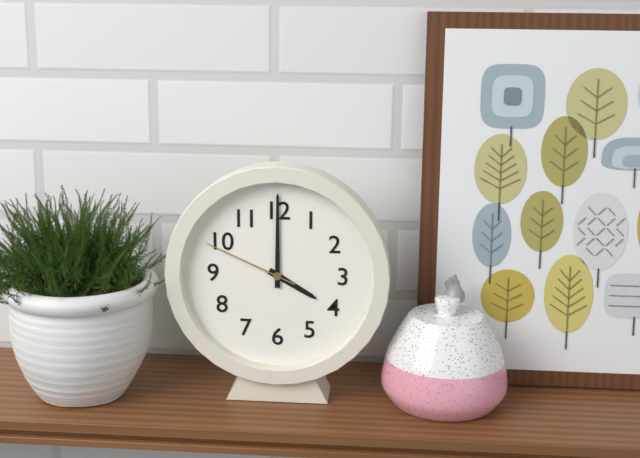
4,00,49
